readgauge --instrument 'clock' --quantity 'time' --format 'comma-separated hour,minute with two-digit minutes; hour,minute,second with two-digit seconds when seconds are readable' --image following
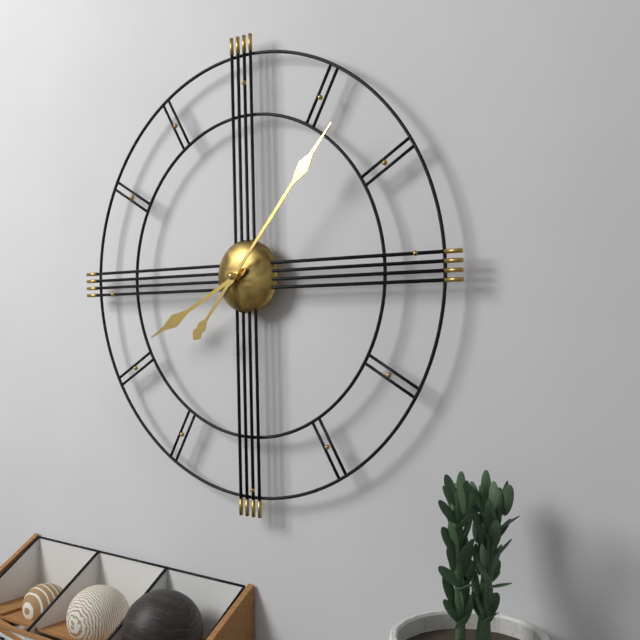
8,07
